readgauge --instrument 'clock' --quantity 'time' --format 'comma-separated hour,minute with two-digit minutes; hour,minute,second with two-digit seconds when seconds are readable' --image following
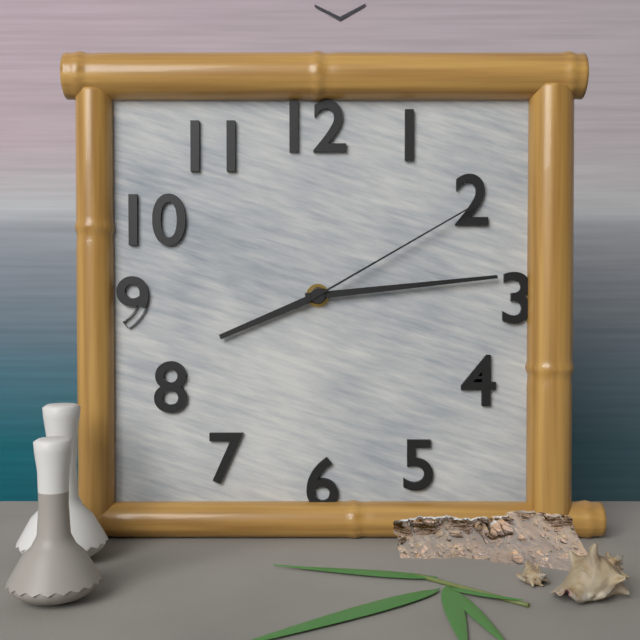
8,14,10
